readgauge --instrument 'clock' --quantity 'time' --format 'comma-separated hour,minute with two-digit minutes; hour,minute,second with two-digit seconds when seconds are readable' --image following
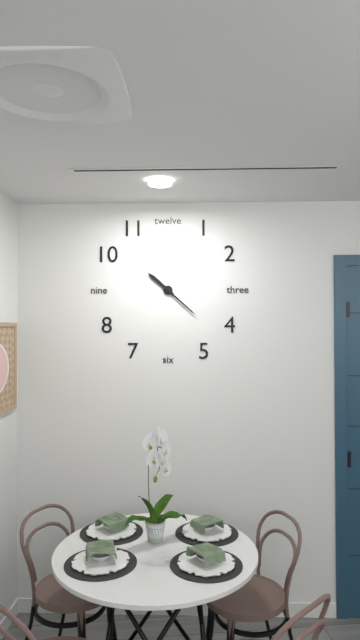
10,22
